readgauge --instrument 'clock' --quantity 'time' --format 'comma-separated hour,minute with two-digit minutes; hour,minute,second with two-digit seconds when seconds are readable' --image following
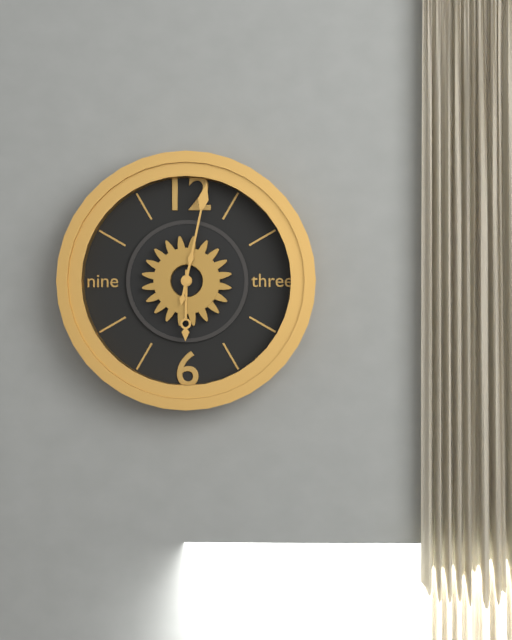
6,02
